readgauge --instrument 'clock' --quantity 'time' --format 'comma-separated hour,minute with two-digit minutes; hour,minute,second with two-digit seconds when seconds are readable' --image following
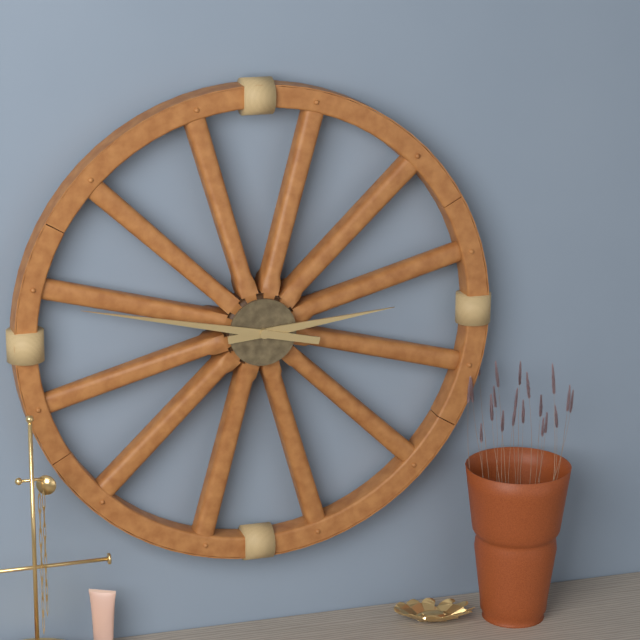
2,47
